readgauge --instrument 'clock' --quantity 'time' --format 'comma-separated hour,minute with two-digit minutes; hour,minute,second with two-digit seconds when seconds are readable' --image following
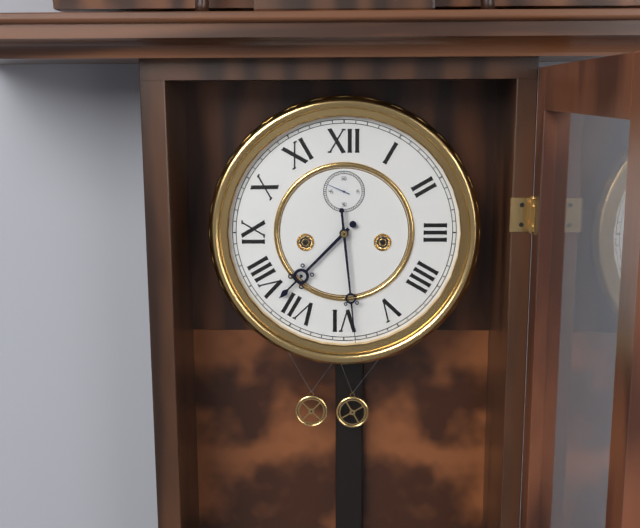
7,29
